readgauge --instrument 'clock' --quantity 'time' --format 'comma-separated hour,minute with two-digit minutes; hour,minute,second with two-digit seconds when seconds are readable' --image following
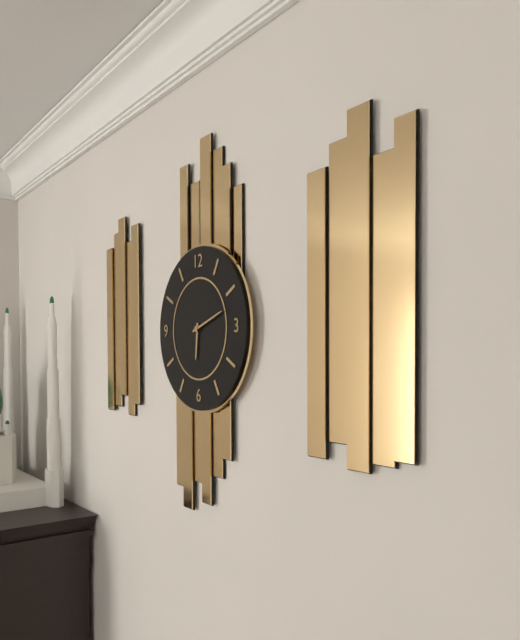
6,12
